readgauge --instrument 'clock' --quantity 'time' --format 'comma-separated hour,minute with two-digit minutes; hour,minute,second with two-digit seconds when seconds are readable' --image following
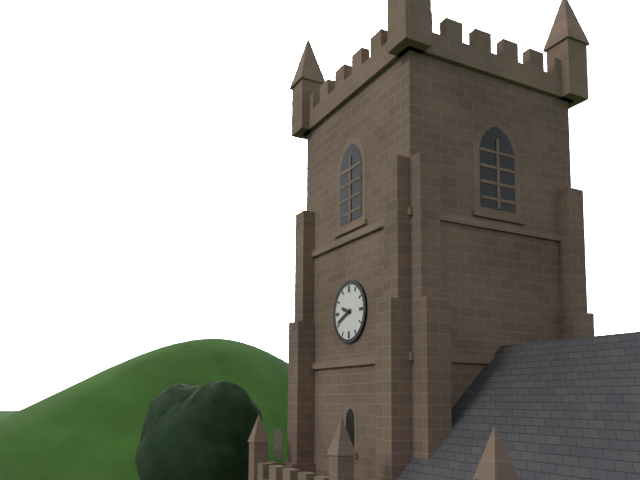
9,41
